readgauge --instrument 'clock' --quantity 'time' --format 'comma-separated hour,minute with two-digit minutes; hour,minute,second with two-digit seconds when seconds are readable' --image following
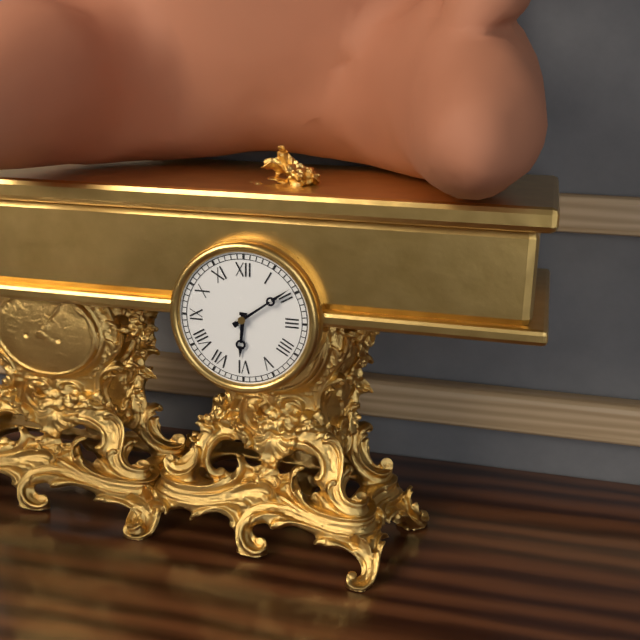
6,09
